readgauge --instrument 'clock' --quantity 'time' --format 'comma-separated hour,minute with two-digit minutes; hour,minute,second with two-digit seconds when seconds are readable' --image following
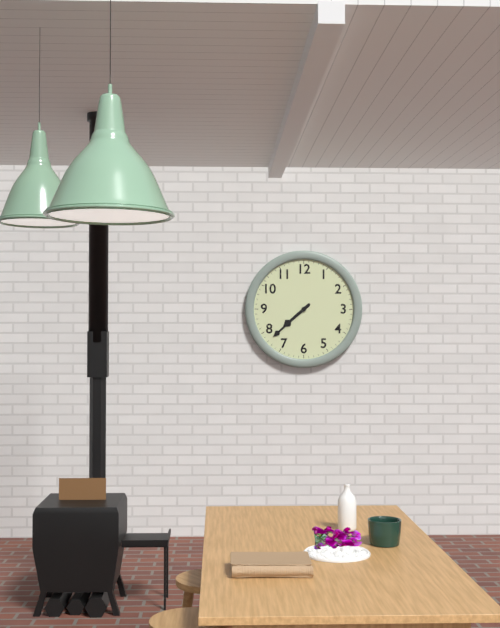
7,38
